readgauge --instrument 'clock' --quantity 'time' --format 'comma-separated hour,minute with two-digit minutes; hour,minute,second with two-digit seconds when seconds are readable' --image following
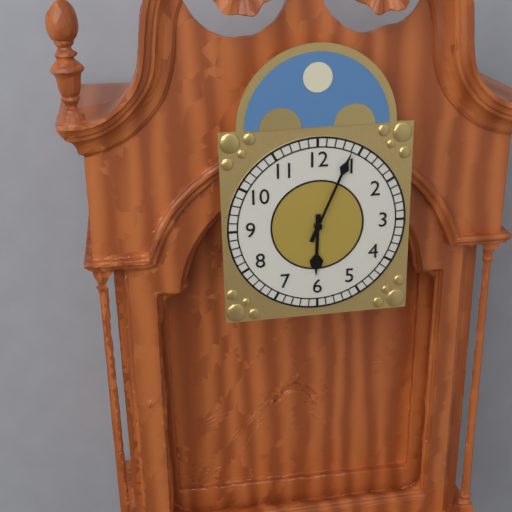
6,04
